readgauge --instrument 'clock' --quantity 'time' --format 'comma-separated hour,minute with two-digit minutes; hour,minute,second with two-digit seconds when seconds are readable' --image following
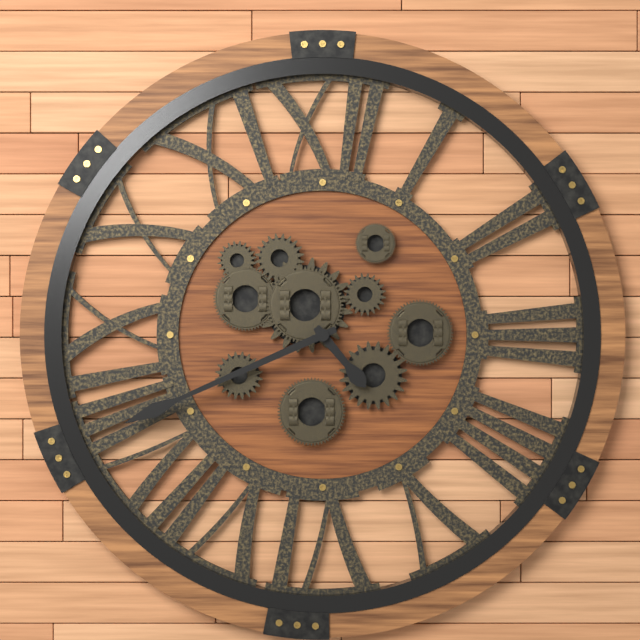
4,41
